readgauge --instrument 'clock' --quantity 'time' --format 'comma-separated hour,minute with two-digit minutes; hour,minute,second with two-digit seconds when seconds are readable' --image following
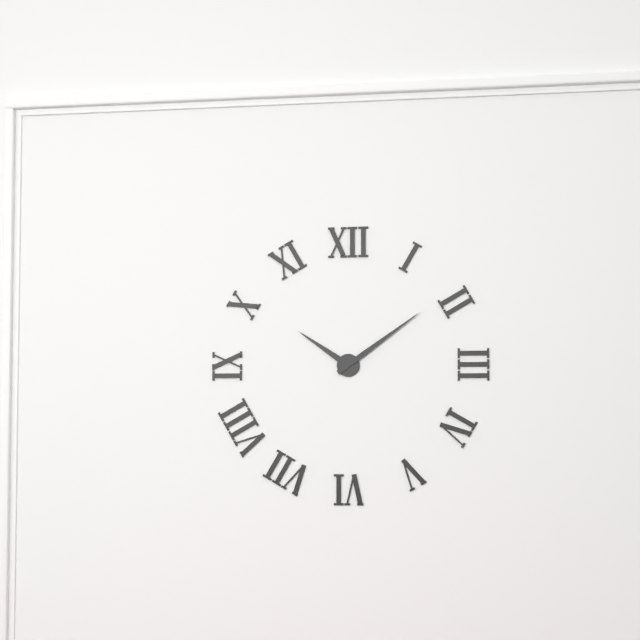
10,09
